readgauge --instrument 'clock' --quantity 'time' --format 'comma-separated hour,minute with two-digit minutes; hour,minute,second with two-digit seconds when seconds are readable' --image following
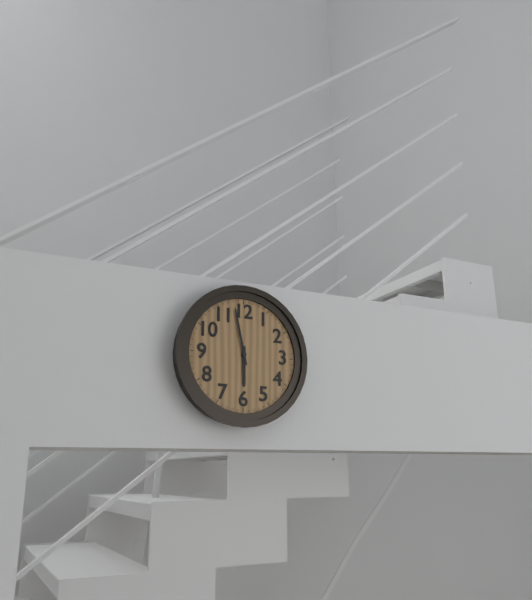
5,58
